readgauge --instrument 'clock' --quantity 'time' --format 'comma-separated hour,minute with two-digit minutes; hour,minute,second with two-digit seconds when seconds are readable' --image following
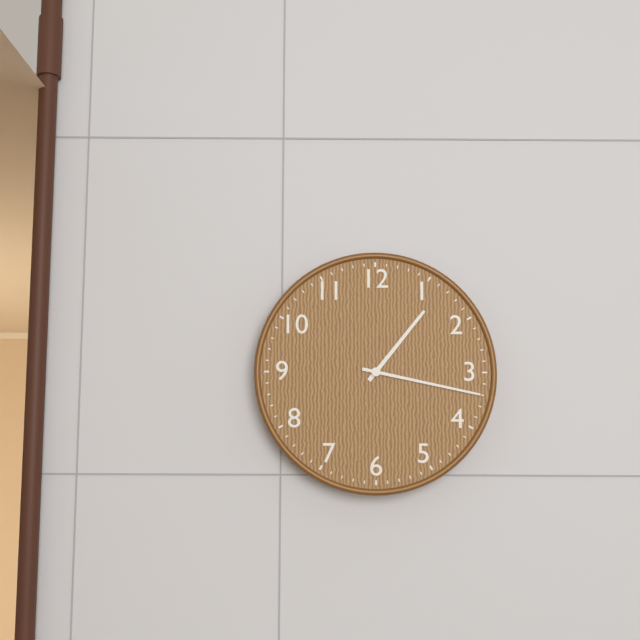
1,17
